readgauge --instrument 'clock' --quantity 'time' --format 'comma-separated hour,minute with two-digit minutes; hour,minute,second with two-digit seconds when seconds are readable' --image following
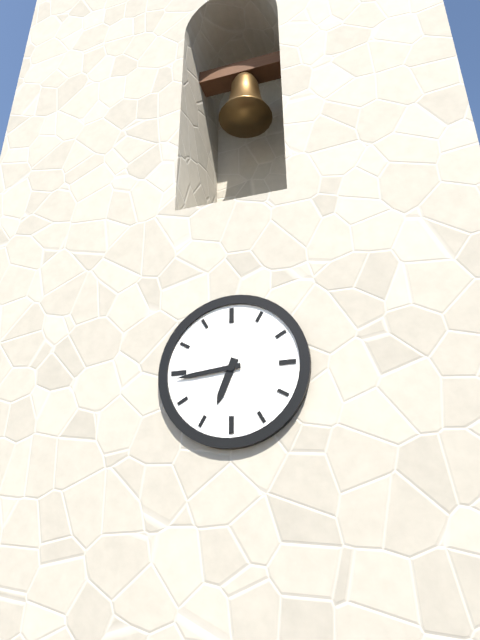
6,44
